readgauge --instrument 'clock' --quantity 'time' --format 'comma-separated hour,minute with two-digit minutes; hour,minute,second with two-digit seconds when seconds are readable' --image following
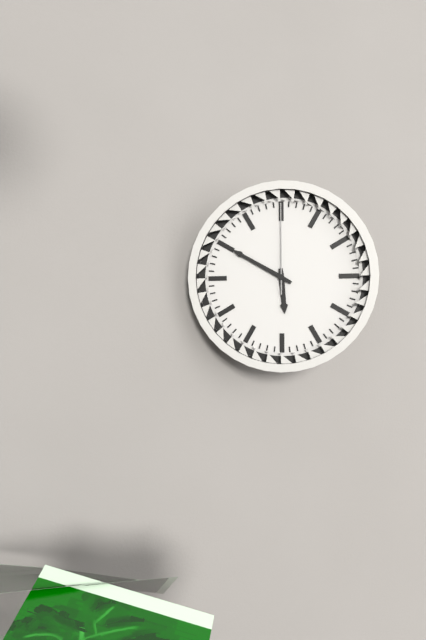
5,50,00
